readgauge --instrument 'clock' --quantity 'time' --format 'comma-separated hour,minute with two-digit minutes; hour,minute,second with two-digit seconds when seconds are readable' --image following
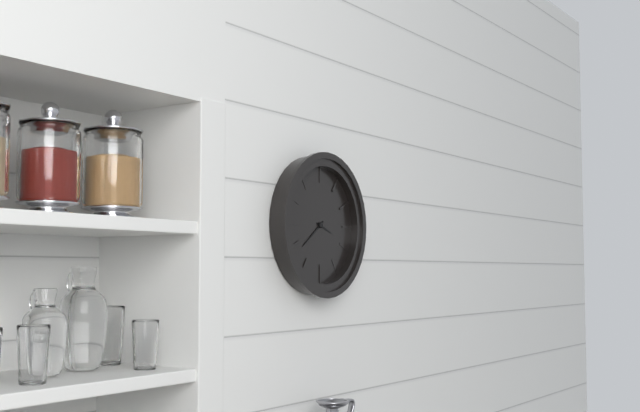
3,39
